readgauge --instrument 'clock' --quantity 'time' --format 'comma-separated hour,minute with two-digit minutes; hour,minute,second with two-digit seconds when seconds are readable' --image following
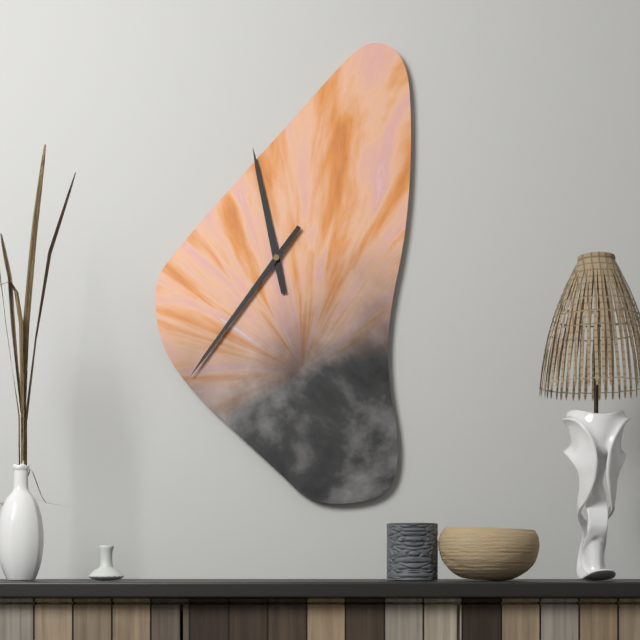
11,36
